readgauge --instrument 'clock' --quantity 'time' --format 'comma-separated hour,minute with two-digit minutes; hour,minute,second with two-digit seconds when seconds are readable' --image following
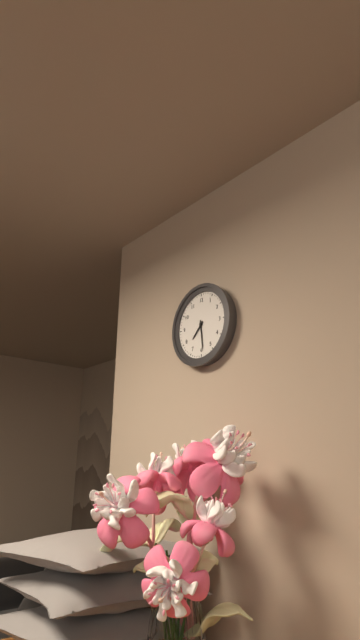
7,29
